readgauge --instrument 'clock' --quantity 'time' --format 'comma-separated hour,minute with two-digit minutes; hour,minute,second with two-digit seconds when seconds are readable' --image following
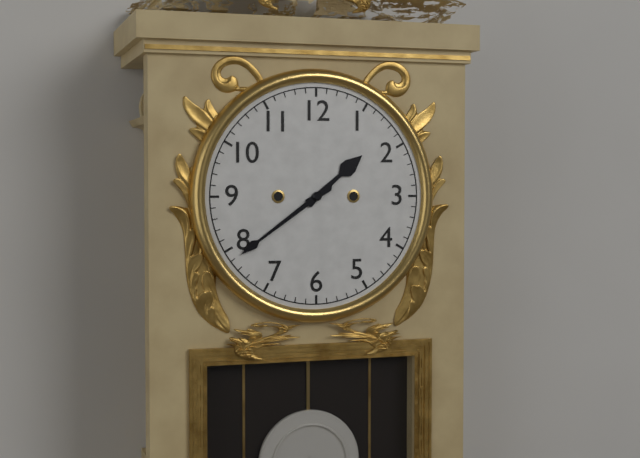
1,39
